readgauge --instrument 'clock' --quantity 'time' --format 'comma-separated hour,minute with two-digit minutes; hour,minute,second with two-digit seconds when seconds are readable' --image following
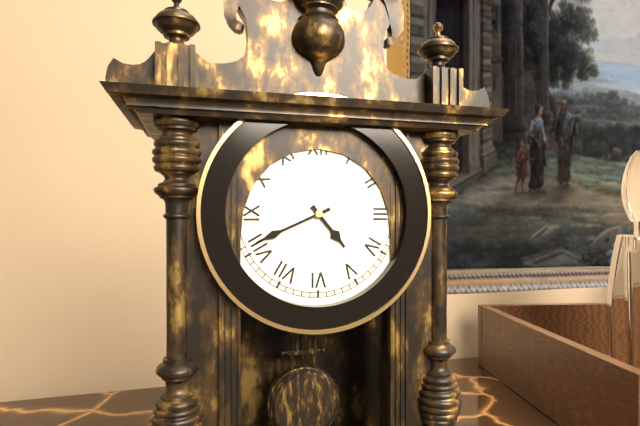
4,41
